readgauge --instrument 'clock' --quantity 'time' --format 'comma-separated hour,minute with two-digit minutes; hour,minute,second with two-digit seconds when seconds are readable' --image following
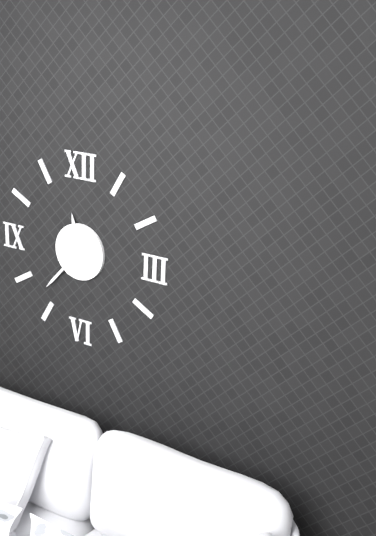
11,37
